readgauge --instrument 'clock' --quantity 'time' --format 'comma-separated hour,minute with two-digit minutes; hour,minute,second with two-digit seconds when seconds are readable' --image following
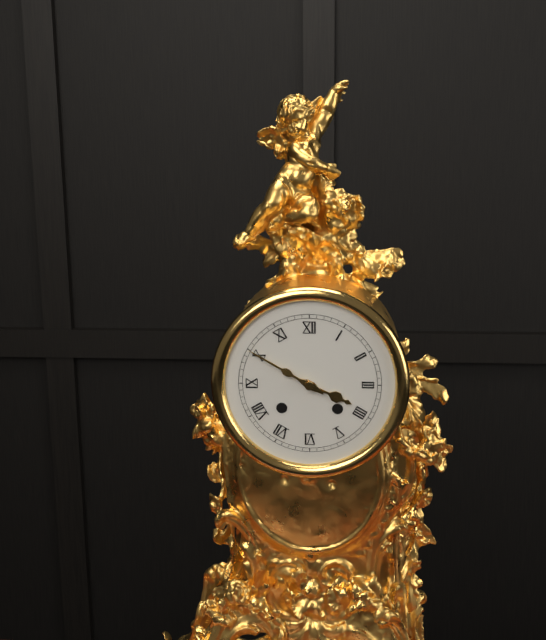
3,50
